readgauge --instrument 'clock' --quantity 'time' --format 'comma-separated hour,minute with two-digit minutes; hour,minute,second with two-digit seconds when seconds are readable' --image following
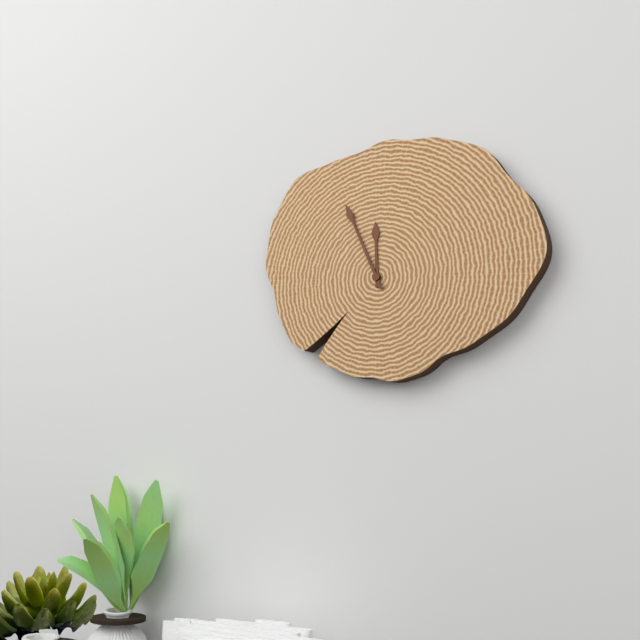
11,56
